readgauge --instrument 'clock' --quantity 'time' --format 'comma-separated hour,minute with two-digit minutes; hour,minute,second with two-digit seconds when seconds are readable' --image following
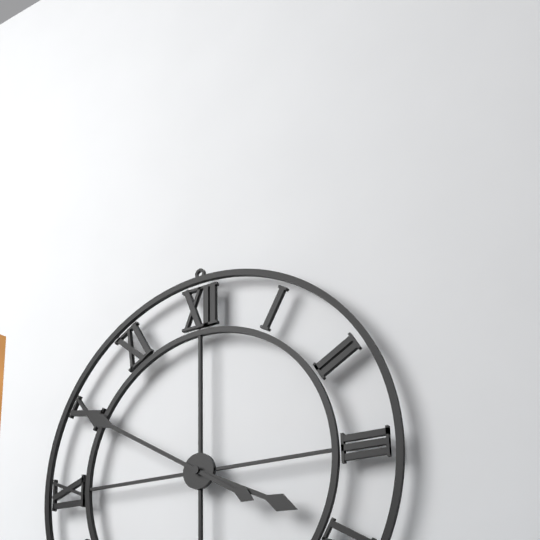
3,50
